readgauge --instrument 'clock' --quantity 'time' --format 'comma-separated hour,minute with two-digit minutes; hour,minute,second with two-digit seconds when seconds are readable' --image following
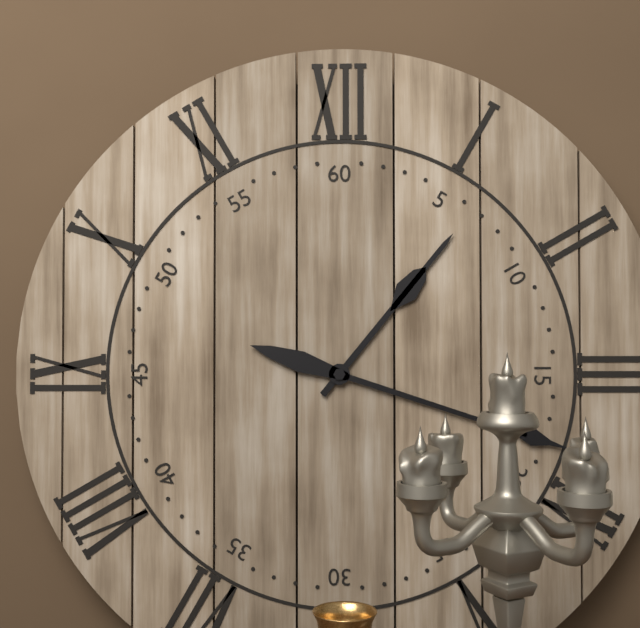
1,18
